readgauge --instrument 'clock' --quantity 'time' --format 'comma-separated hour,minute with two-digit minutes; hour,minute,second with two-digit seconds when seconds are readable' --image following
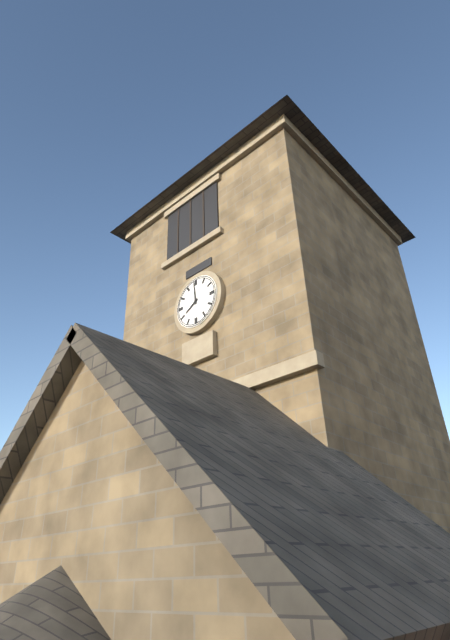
7,59
